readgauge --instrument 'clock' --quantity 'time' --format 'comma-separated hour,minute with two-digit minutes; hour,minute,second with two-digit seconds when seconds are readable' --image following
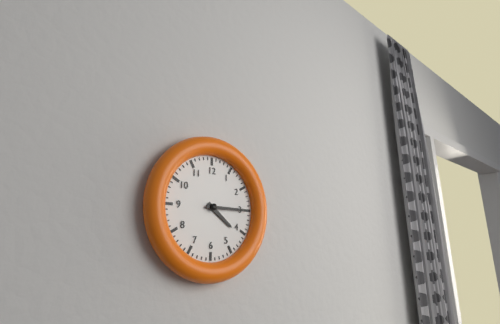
4,15
